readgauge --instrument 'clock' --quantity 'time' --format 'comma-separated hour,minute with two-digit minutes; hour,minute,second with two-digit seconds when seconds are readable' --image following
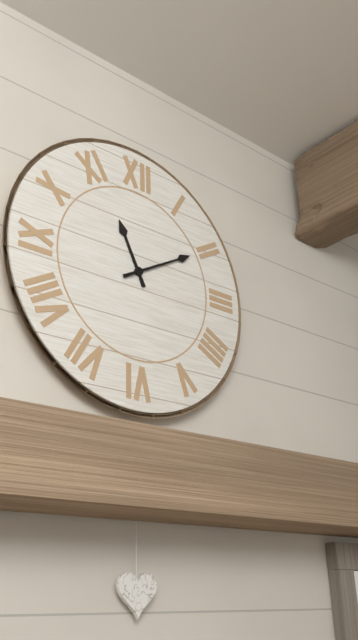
11,10
